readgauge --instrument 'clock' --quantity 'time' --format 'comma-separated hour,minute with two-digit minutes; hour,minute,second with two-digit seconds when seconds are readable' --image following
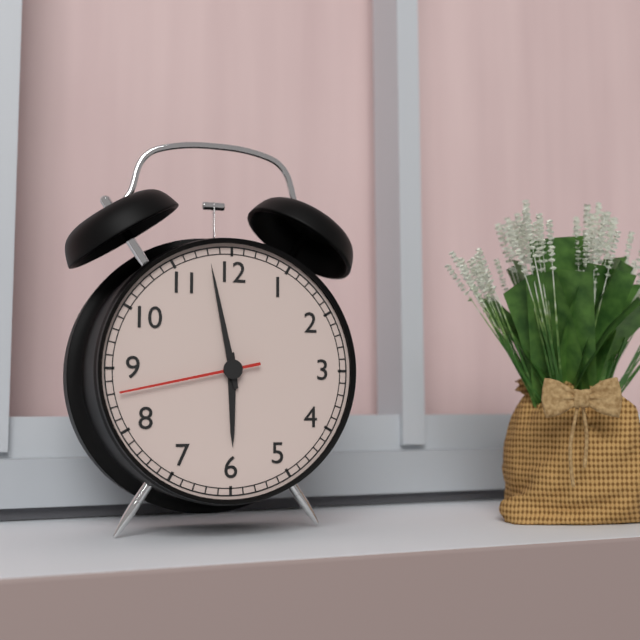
5,58,43
